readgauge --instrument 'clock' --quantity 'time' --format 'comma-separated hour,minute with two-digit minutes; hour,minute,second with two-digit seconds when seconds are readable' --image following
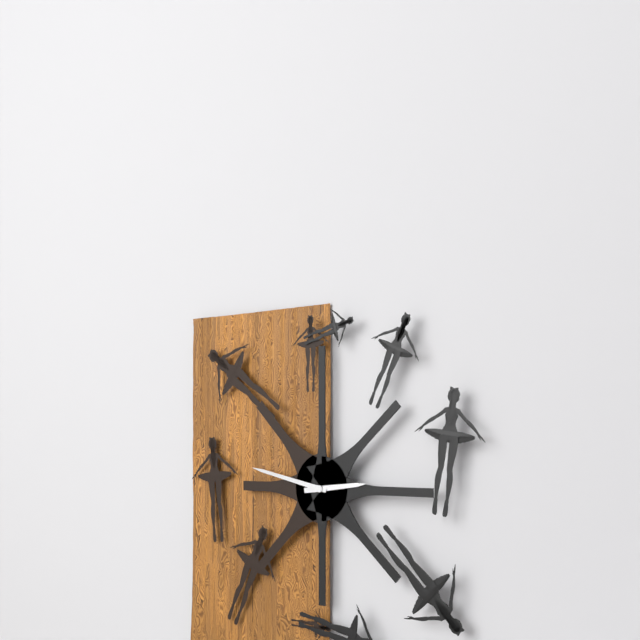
2,47
